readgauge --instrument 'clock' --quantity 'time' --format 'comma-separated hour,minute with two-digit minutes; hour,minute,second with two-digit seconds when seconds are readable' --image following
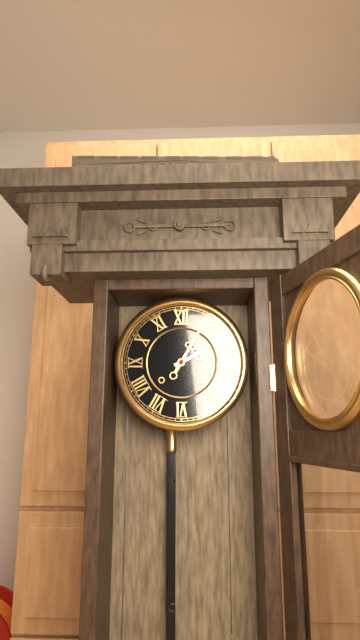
2,05
